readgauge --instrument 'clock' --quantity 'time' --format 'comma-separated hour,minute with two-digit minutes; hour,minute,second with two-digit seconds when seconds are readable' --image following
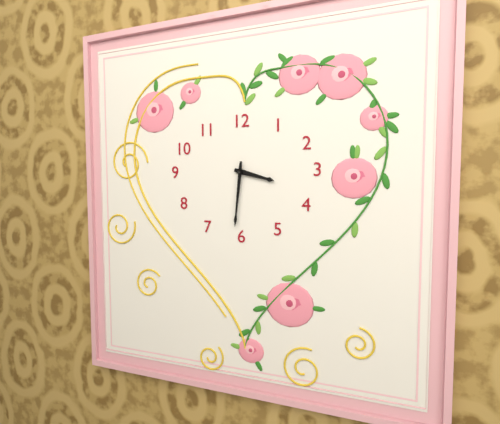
3,31
